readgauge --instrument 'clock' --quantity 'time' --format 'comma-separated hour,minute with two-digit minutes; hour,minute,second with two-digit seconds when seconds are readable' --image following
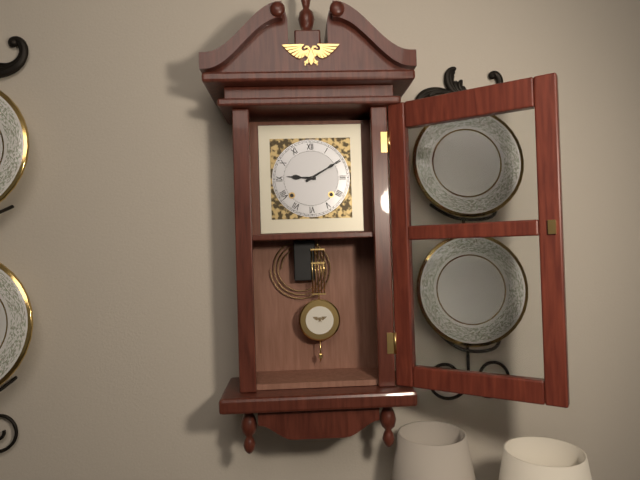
9,10
